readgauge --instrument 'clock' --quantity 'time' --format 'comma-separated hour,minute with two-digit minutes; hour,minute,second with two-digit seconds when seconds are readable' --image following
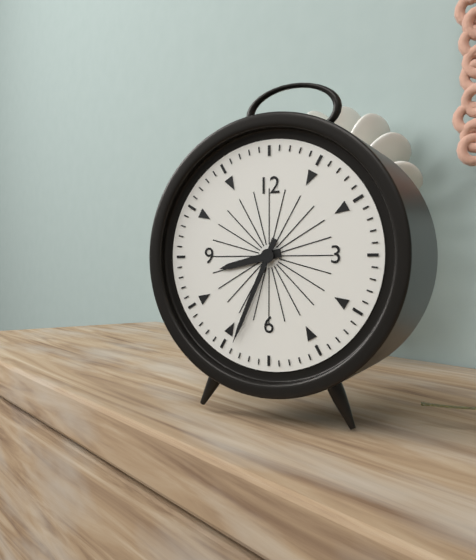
8,34
